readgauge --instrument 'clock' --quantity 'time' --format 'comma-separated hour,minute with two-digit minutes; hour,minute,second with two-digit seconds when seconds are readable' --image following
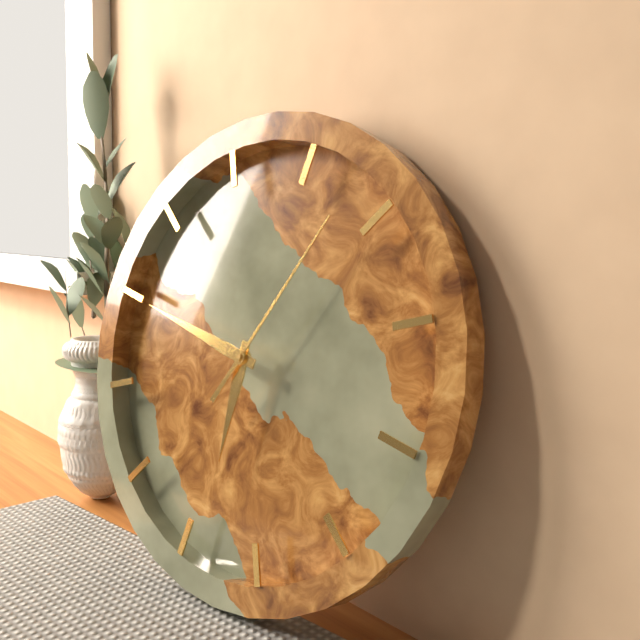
5,45,03
